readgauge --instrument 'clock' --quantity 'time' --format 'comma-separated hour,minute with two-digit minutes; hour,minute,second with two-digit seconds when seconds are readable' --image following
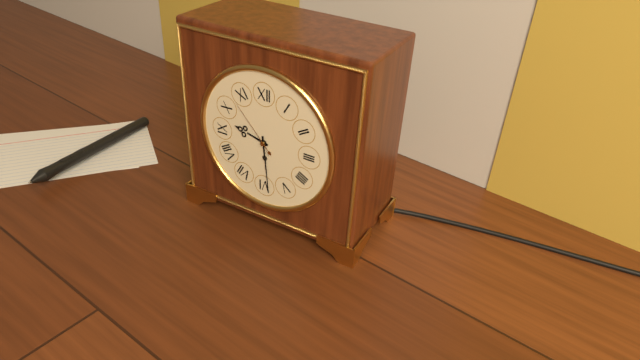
9,29,53
